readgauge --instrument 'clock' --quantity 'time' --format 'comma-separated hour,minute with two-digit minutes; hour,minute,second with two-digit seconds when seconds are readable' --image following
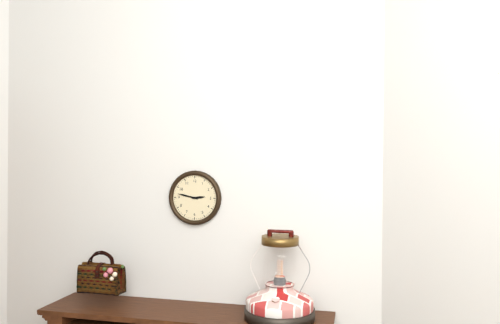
2,47
